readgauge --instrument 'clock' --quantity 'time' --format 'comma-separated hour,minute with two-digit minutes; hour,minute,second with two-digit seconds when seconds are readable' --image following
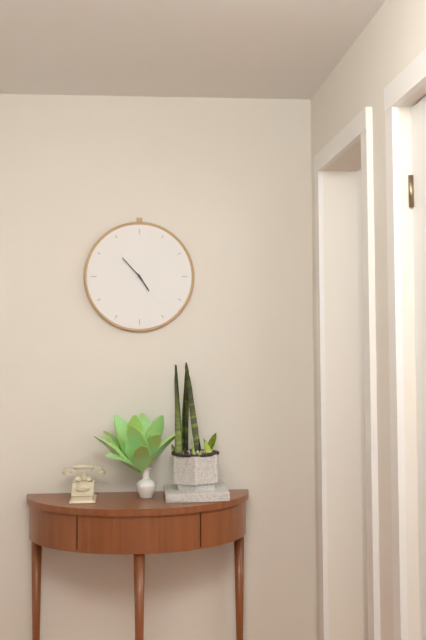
4,53
